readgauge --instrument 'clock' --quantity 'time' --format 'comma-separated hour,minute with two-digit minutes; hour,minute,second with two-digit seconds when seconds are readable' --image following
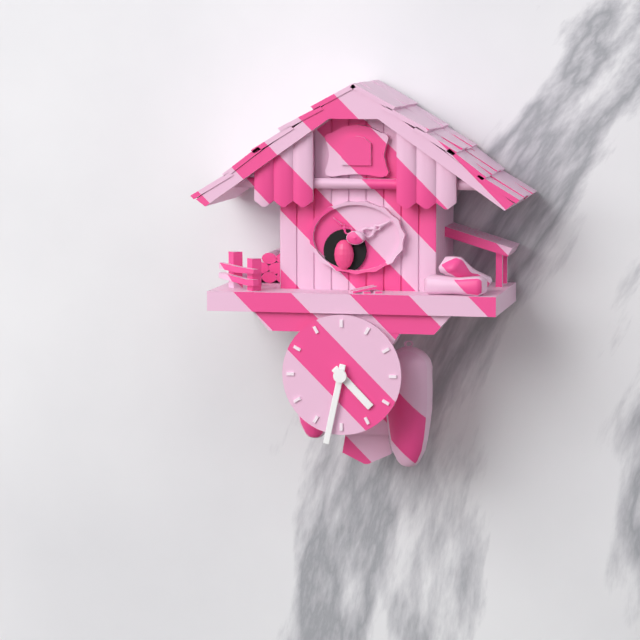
4,32
